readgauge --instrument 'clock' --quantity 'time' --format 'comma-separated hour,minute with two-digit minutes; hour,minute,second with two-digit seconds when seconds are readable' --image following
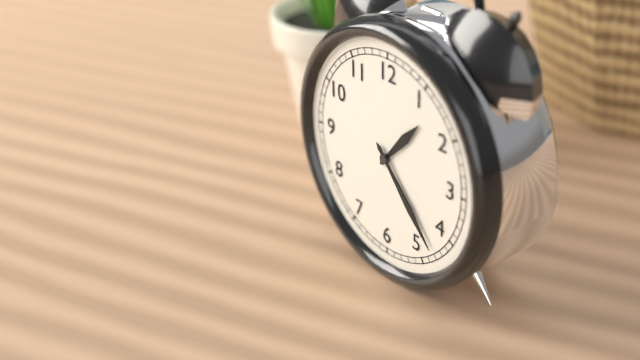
1,23
